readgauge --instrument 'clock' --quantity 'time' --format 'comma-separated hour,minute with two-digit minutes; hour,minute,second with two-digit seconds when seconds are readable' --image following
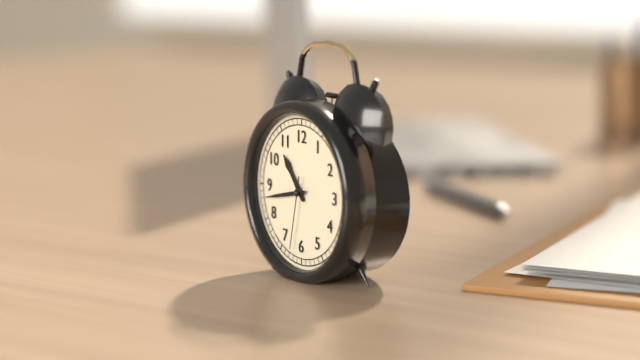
10,43,32
